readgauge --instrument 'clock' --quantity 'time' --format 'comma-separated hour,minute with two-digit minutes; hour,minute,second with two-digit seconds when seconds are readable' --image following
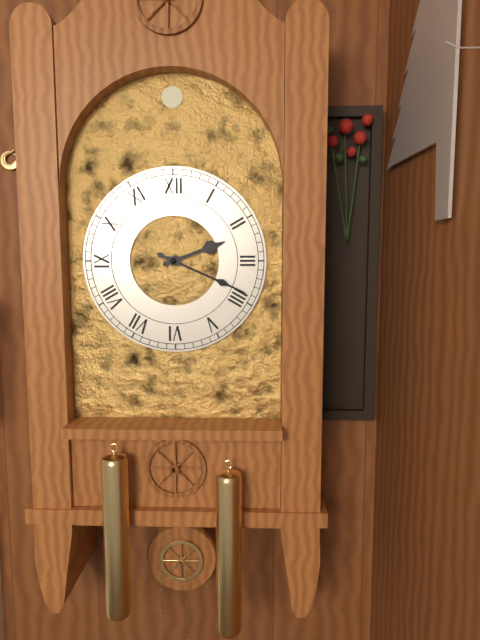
2,19
